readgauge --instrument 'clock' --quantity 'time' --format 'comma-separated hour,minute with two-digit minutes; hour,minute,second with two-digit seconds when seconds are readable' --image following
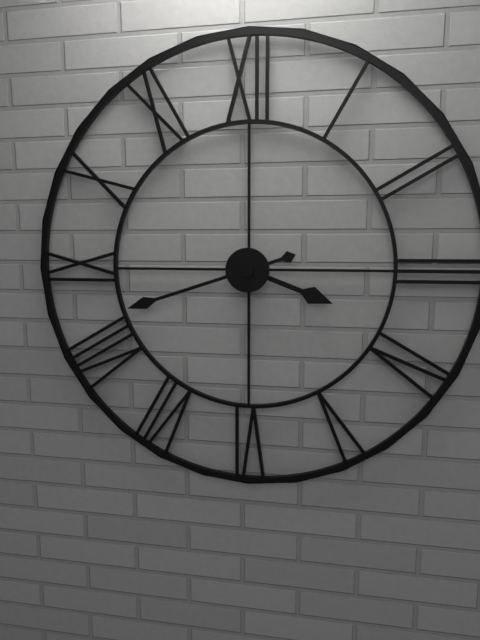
3,42
